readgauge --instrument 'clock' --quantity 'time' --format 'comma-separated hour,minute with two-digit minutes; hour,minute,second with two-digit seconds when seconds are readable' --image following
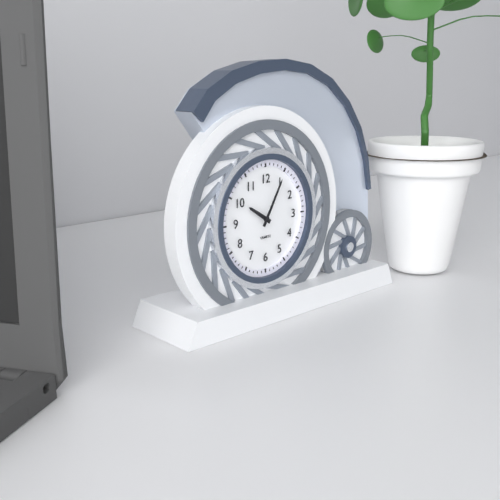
10,05
